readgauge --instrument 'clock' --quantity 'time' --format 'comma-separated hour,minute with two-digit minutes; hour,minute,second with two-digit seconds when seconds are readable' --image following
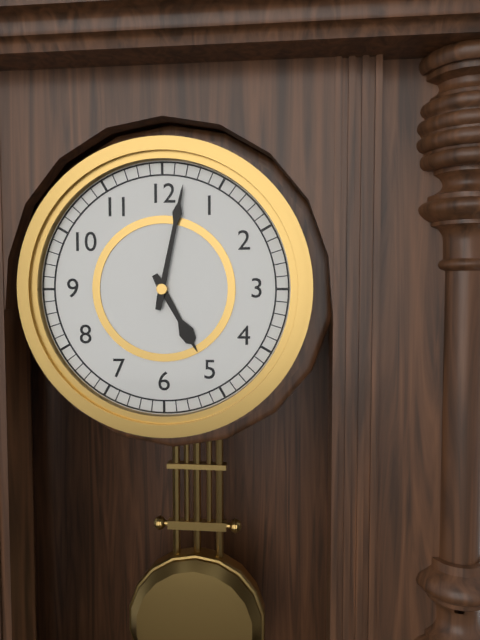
5,02
